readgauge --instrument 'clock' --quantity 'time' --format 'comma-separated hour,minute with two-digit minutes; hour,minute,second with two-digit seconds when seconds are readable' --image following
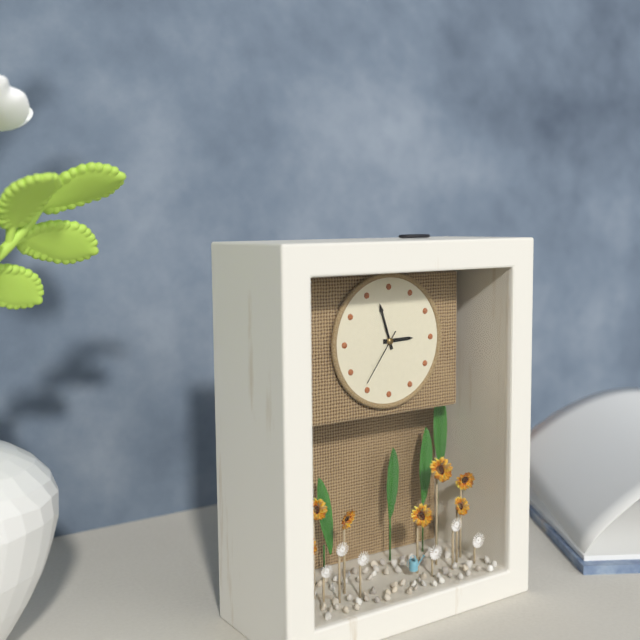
2,57,36
